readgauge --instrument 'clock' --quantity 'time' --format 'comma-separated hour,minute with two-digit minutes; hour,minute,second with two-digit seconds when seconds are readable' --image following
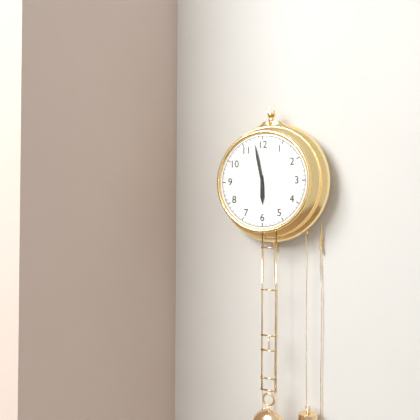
5,58
